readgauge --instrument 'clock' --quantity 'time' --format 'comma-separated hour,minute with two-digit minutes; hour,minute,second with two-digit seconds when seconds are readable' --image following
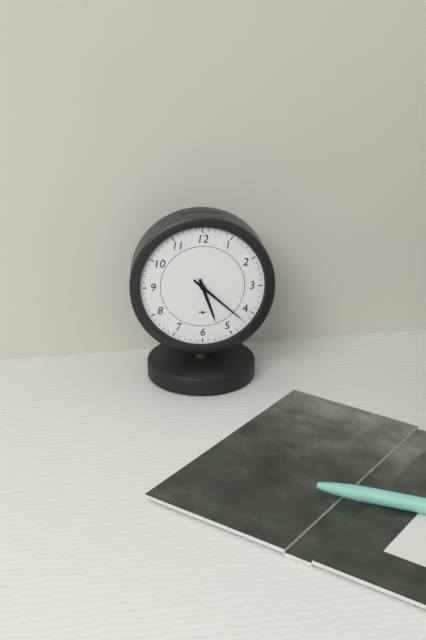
5,22
